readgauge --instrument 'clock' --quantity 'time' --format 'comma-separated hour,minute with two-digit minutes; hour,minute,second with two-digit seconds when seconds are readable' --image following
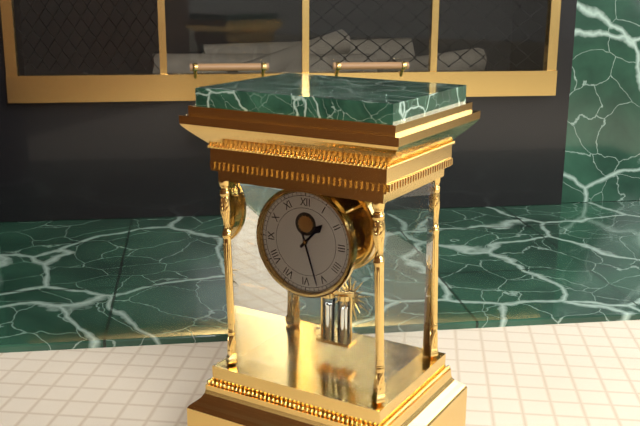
1,27
